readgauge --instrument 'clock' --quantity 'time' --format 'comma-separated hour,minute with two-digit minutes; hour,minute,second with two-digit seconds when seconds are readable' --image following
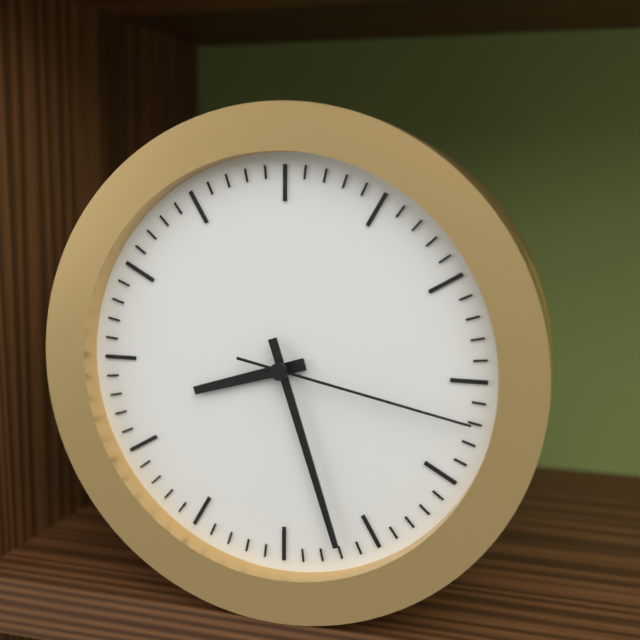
8,27,17
